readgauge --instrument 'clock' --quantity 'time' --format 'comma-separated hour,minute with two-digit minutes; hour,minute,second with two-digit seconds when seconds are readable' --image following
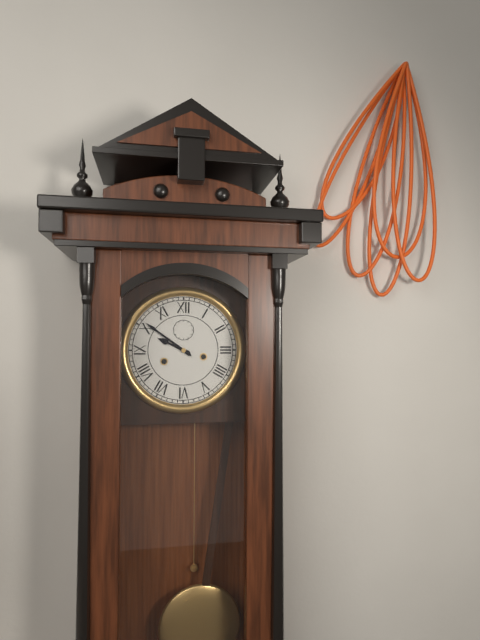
9,51
